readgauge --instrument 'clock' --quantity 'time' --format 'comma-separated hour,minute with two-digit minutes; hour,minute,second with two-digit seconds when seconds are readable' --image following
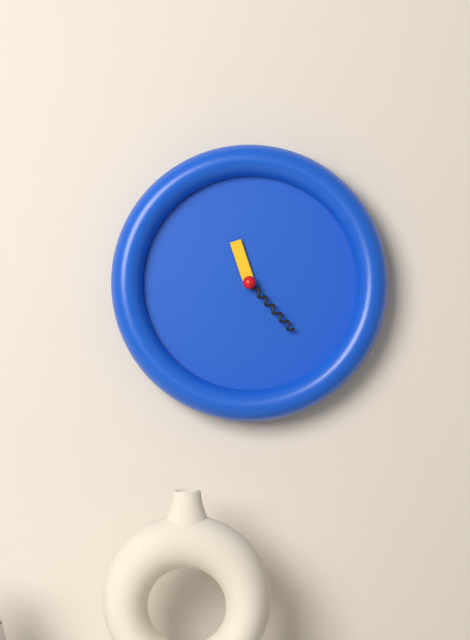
11,23
